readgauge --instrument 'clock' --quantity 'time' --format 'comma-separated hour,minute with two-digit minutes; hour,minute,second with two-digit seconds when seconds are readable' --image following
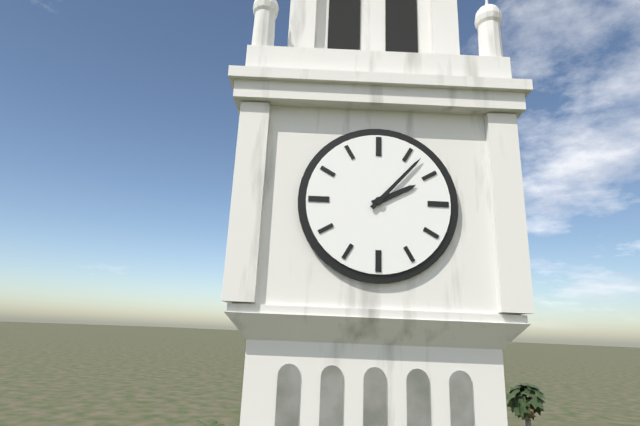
2,07
